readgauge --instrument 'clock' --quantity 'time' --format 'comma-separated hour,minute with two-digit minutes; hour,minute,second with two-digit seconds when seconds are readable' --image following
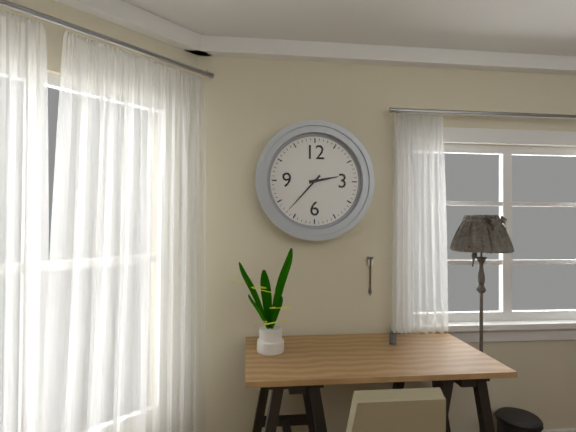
2,37
